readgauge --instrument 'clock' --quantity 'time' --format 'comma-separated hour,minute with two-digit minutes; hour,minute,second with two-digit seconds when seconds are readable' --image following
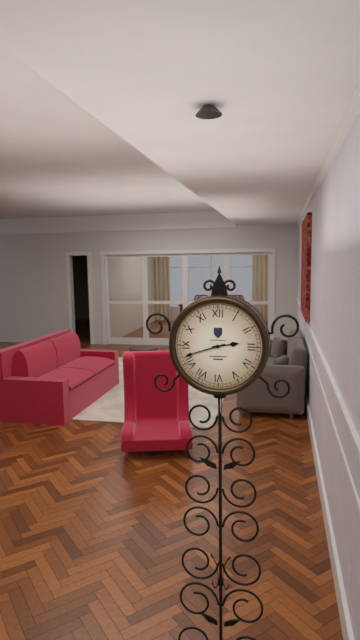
2,42
